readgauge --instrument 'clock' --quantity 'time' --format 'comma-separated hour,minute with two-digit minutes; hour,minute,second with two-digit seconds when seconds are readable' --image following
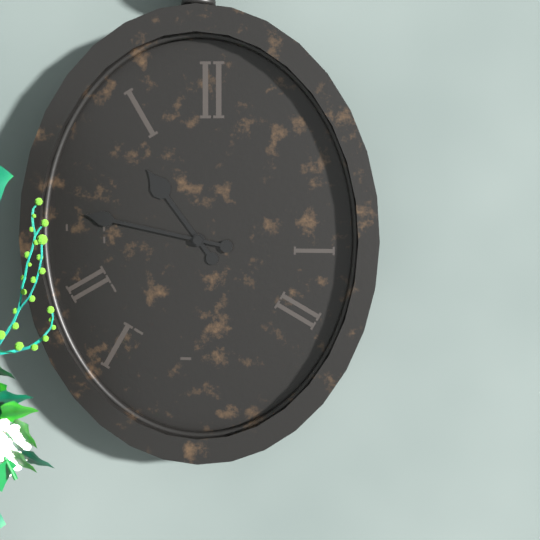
10,47
